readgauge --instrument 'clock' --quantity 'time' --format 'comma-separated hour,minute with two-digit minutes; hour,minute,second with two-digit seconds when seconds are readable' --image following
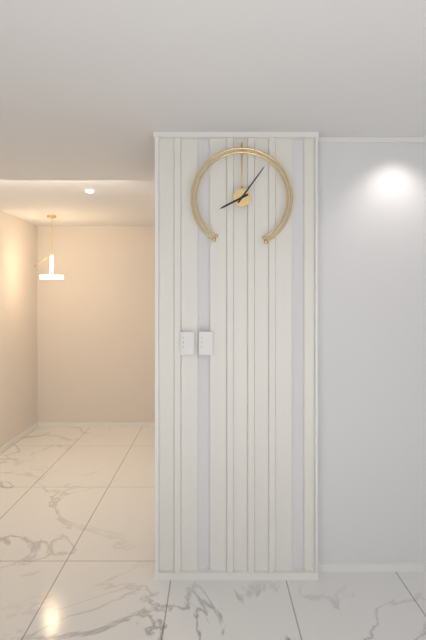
8,06
